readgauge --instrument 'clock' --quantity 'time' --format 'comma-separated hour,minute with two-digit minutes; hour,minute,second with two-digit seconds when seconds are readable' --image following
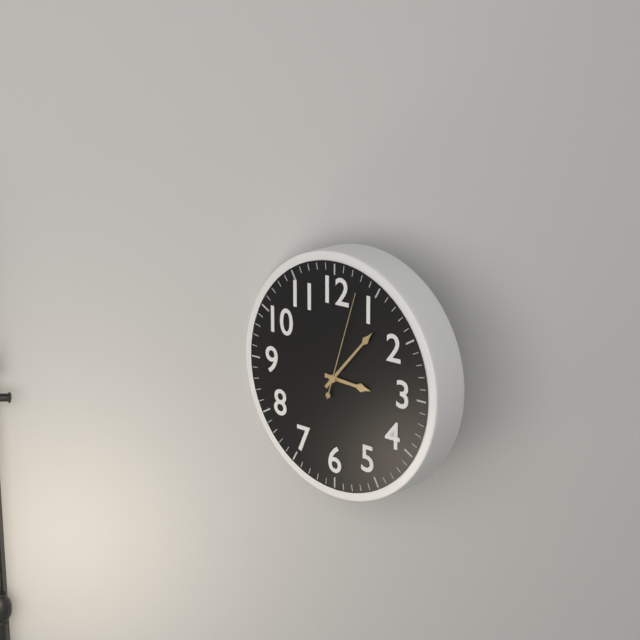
3,07,03
